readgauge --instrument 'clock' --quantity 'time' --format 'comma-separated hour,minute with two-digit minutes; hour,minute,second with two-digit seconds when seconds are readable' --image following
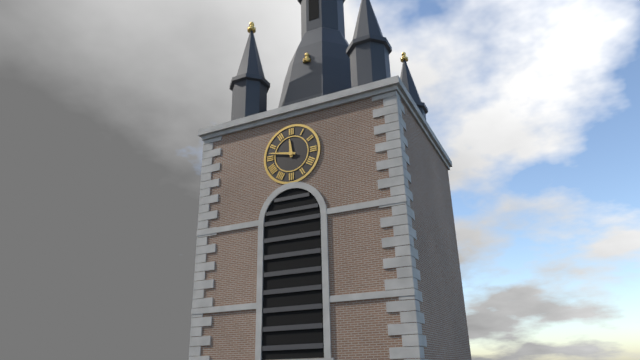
11,47
